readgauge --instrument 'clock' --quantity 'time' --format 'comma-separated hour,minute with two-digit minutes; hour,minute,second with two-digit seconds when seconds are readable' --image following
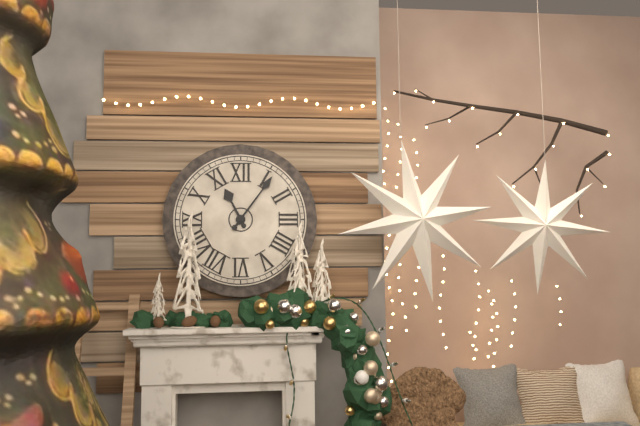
11,06
